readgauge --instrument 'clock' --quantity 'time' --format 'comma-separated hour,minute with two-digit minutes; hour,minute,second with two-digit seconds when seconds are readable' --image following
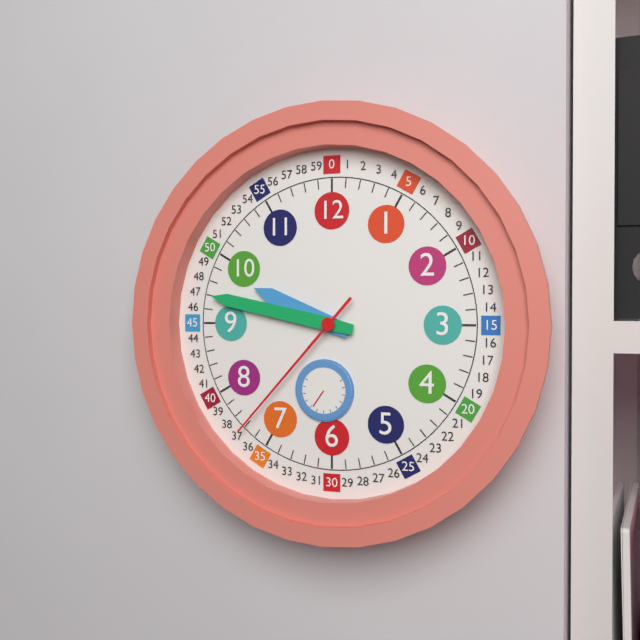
9,47,37
